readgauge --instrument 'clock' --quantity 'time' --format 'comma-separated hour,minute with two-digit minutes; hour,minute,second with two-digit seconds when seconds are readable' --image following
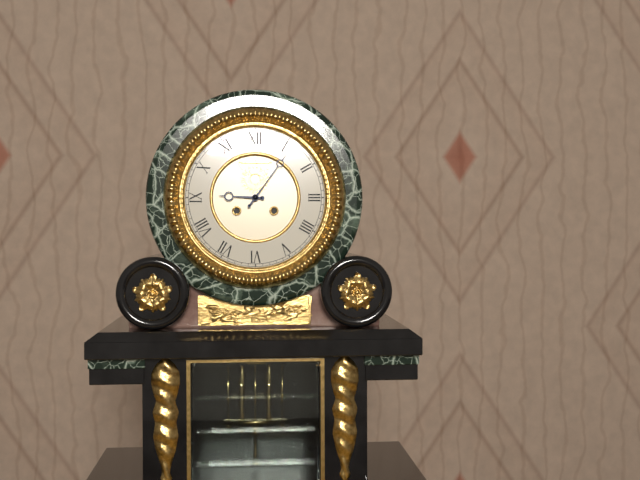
9,06
